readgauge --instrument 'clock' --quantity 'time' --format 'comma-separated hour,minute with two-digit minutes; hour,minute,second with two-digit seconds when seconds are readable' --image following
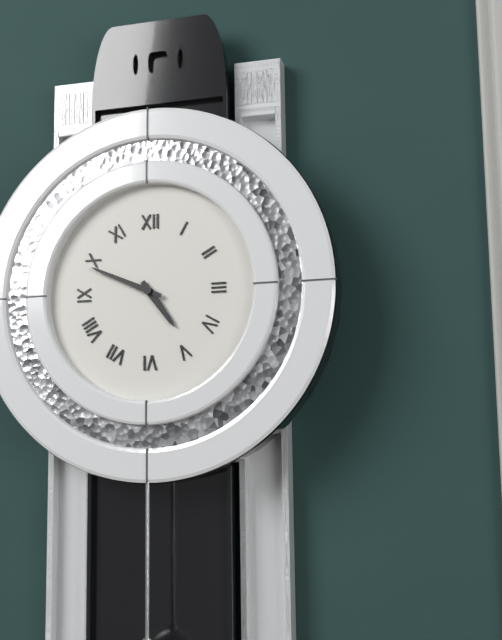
4,49
